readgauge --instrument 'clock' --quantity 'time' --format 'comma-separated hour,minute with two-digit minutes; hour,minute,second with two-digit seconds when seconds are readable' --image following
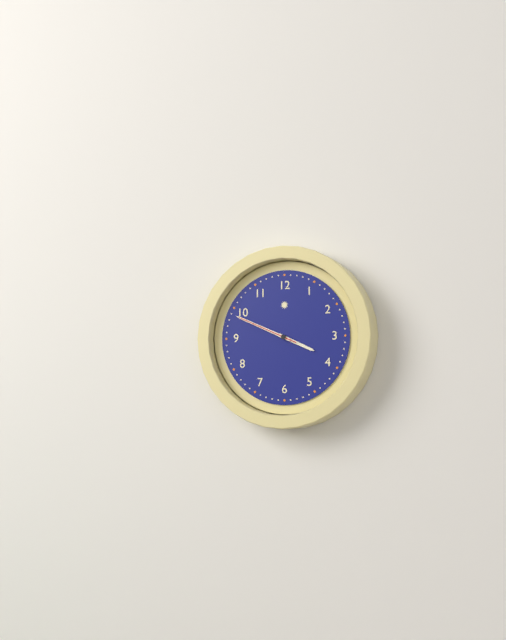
3,49,49
